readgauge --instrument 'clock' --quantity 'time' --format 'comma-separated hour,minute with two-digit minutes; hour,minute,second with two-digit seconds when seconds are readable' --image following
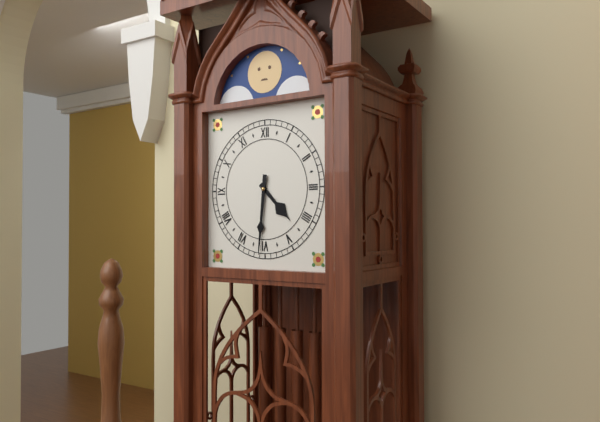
4,31
